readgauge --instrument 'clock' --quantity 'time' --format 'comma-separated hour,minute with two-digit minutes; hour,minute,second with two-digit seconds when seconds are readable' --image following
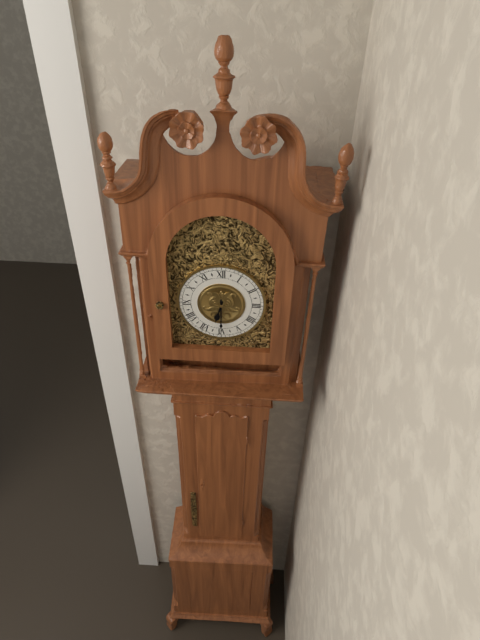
6,30
